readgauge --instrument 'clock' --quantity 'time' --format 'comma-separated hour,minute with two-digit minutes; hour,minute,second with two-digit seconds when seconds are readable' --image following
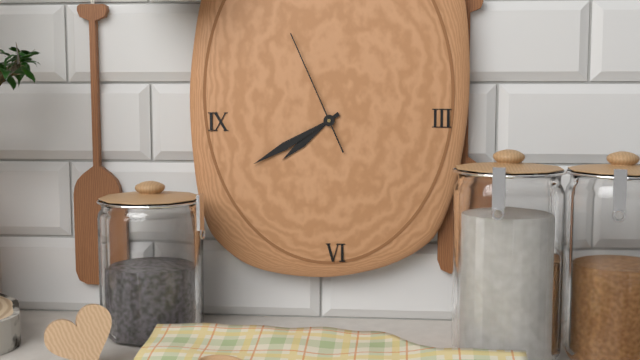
7,40,56
